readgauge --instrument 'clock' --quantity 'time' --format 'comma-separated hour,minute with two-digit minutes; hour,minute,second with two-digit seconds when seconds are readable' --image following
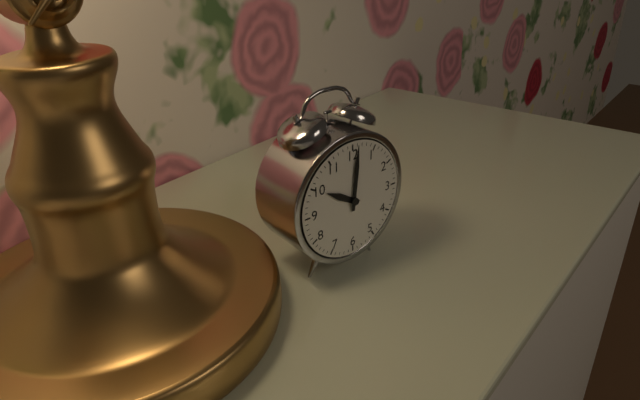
10,01
